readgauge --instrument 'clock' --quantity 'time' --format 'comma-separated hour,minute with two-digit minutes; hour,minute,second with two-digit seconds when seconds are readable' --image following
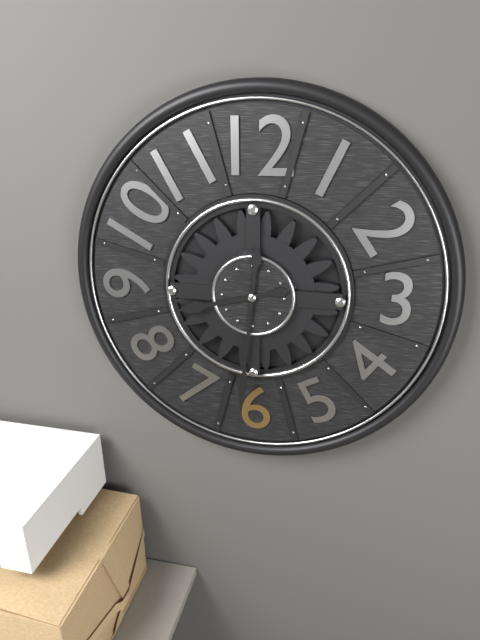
8,31
